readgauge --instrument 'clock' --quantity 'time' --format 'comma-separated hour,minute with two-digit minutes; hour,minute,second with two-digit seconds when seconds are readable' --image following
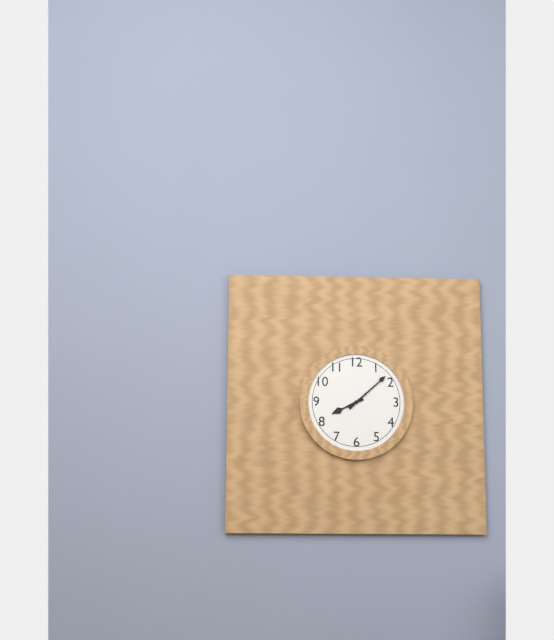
8,08
